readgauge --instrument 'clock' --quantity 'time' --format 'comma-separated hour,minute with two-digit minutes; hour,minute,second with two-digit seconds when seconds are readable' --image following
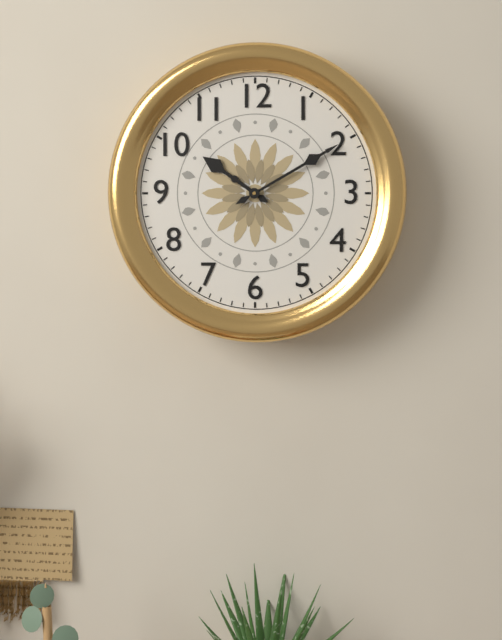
10,10
